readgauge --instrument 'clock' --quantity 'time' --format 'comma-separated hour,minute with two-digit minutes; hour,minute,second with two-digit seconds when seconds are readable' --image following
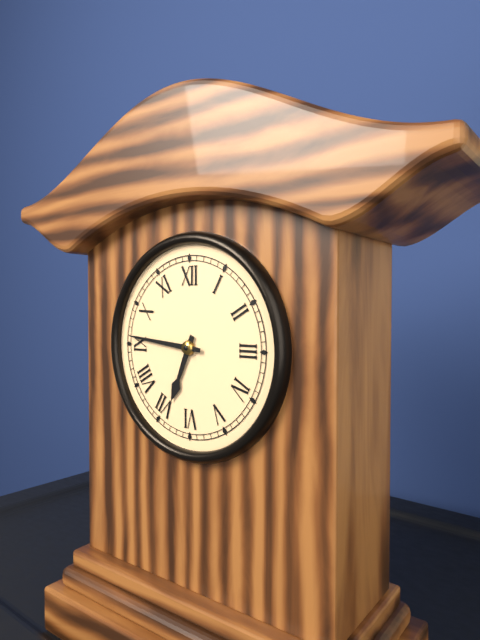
6,46
